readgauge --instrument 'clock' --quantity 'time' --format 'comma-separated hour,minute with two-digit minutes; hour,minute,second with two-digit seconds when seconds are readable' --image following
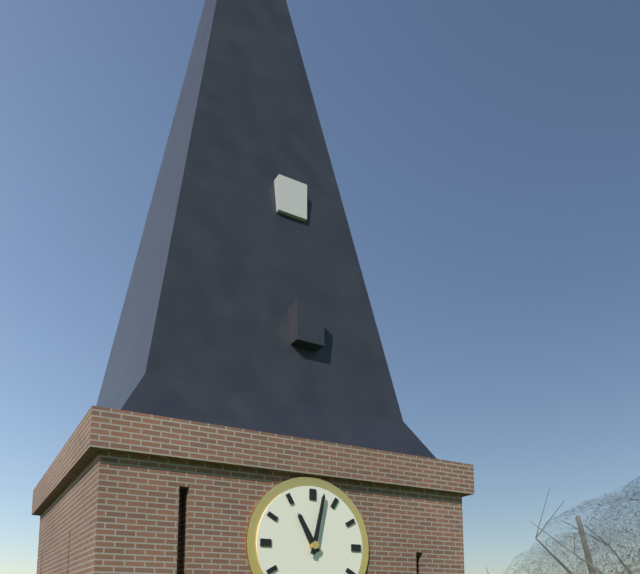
11,02
